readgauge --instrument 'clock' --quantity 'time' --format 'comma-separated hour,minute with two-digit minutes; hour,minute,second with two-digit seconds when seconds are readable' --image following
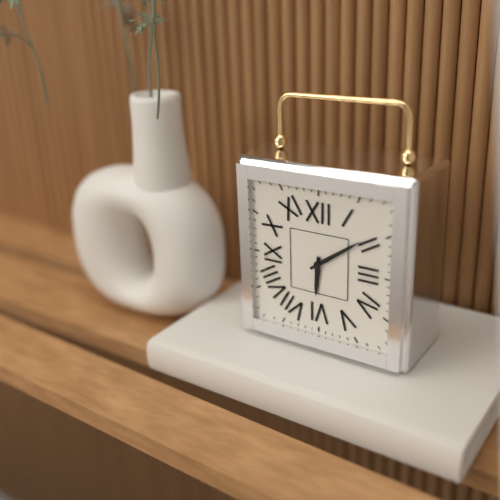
6,09
